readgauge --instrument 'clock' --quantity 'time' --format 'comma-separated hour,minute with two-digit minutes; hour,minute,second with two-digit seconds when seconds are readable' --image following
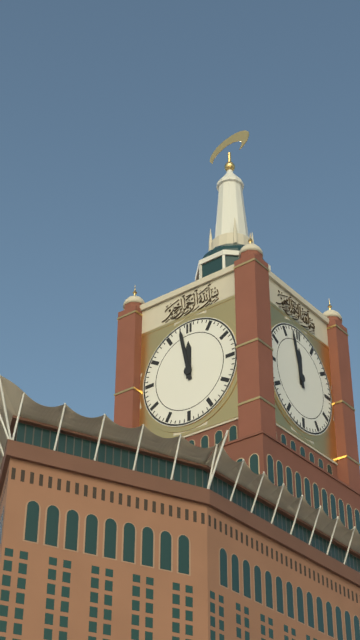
11,58
